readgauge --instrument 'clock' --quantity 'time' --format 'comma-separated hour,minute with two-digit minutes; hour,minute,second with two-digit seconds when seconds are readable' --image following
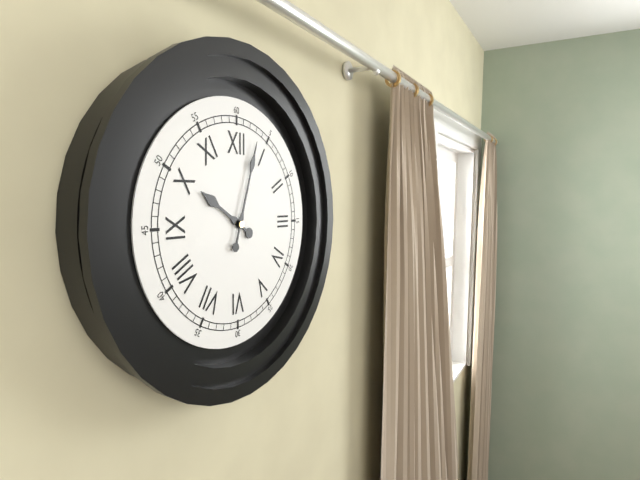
10,03
